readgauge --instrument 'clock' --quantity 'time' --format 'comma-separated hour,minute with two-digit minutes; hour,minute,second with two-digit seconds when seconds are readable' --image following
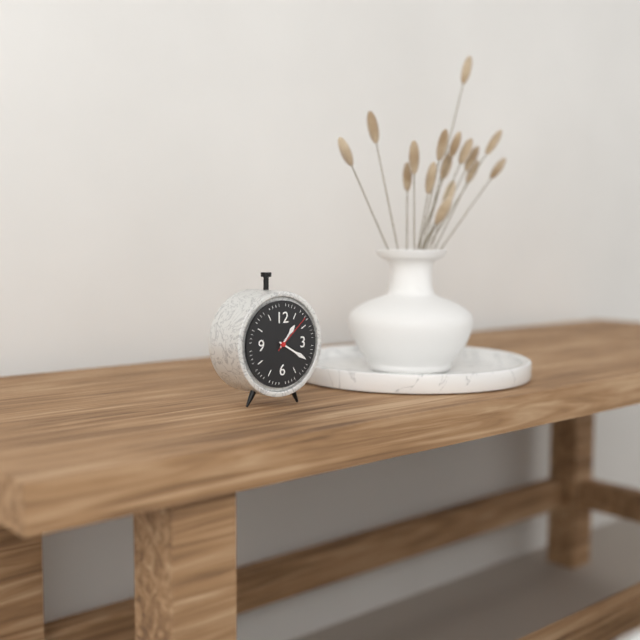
1,20
